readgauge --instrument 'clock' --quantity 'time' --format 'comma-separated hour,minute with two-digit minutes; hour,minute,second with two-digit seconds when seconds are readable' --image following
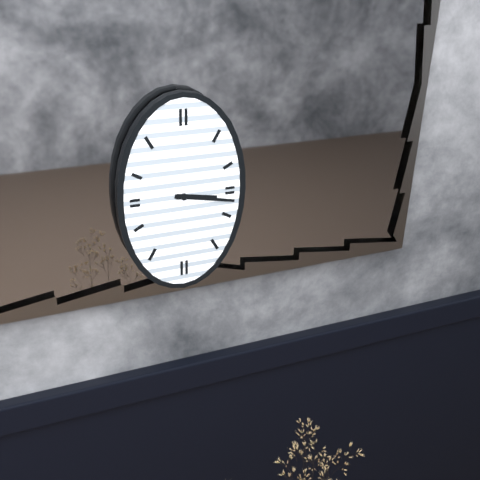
3,17
